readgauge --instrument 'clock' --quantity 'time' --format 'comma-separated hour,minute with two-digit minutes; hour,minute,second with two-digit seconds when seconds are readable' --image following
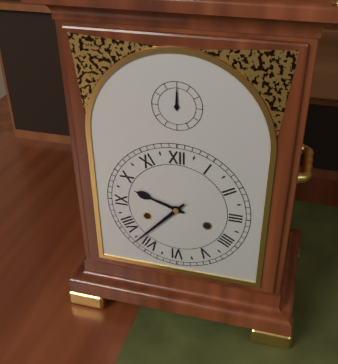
9,37
